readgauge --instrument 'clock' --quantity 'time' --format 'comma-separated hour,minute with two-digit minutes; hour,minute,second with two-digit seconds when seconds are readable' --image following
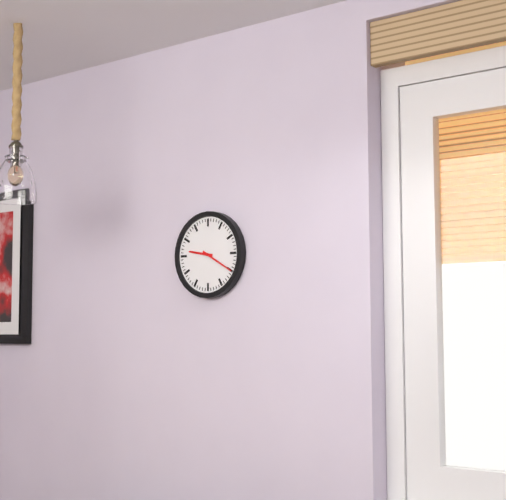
9,20
